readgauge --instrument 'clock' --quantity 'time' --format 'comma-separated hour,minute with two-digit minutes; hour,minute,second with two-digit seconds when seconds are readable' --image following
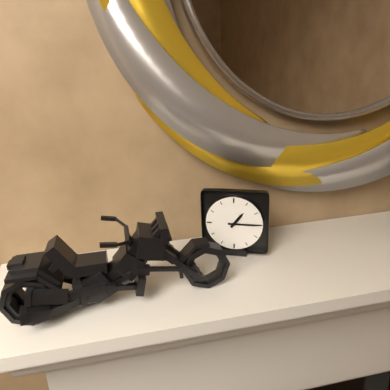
1,15
